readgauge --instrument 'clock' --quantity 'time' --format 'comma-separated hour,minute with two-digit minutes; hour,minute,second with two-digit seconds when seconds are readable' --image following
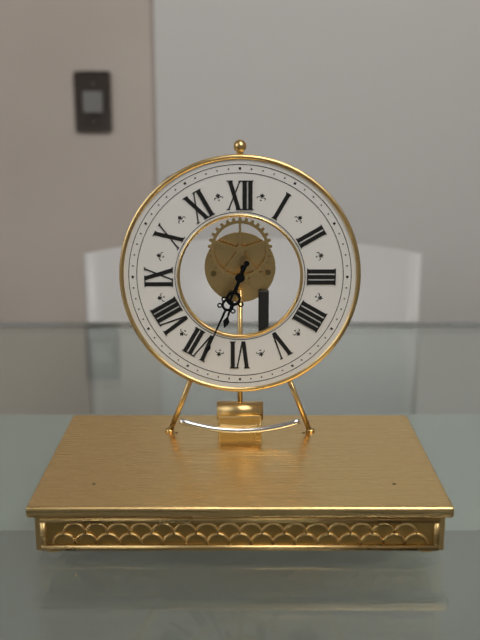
6,34
